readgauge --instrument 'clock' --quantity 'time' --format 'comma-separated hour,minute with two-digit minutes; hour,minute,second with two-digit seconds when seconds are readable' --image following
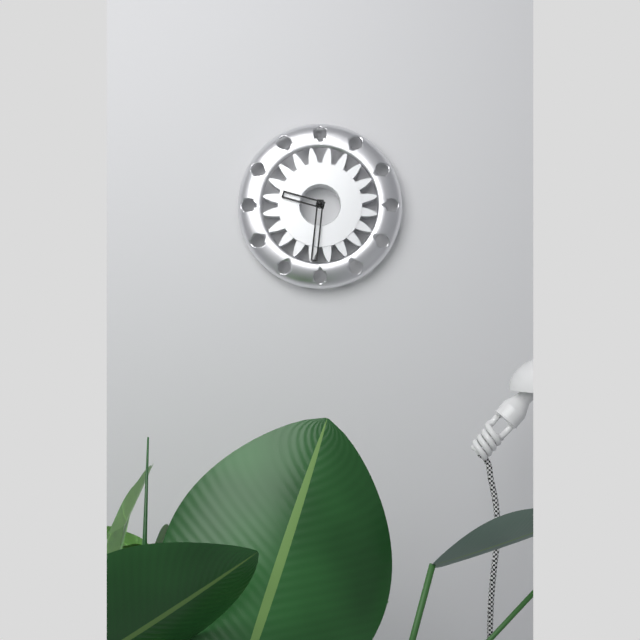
9,31
